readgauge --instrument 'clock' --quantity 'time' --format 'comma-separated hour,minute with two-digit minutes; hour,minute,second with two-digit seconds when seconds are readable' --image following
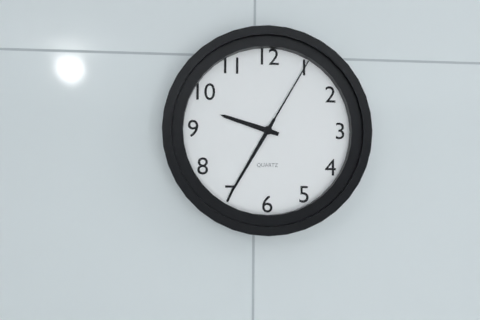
9,35,05
